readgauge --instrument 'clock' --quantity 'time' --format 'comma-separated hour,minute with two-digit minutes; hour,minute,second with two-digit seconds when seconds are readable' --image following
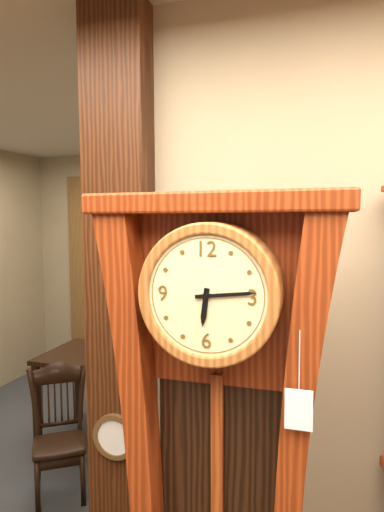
6,14
